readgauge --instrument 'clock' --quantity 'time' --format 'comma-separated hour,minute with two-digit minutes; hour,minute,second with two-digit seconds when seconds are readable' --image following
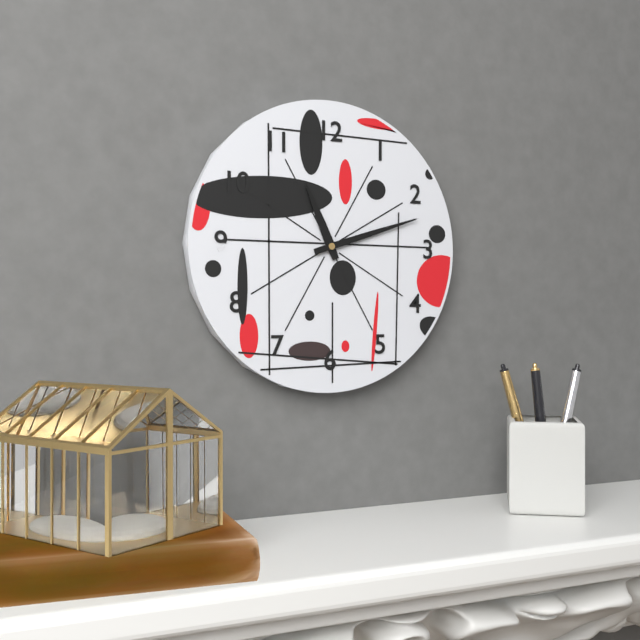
11,12
